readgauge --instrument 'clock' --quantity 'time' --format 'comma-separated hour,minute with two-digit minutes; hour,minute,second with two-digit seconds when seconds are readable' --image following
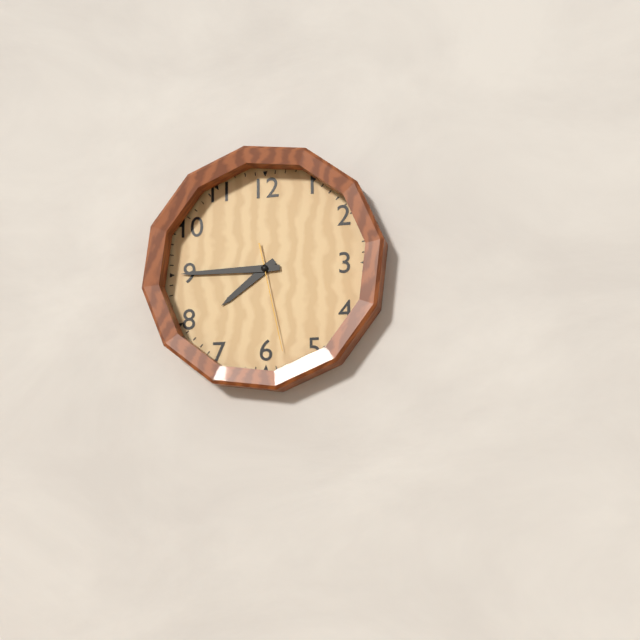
7,45,28
